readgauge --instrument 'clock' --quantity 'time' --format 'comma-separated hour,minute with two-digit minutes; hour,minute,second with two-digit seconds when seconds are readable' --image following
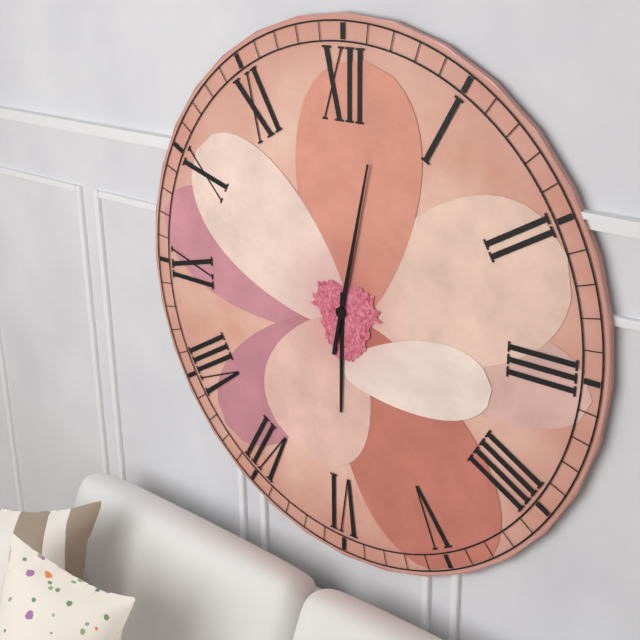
6,02
